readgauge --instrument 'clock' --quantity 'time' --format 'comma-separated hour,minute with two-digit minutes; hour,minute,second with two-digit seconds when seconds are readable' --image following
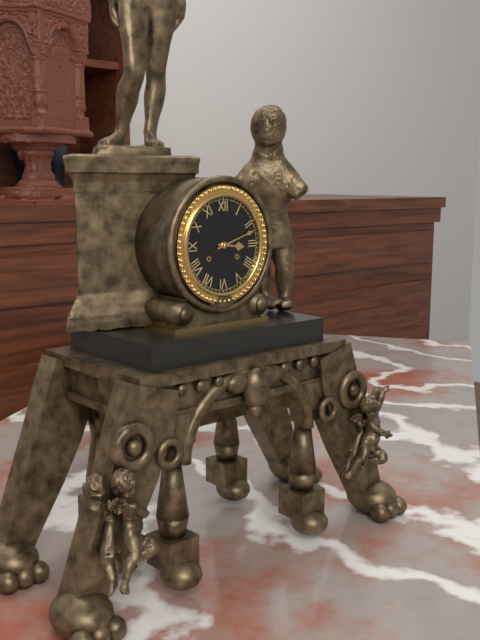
3,12
